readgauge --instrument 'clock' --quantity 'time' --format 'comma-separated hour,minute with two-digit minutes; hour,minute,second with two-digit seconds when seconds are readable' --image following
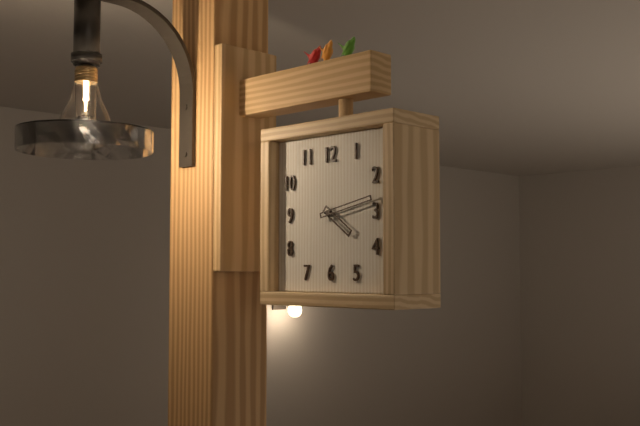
4,13
